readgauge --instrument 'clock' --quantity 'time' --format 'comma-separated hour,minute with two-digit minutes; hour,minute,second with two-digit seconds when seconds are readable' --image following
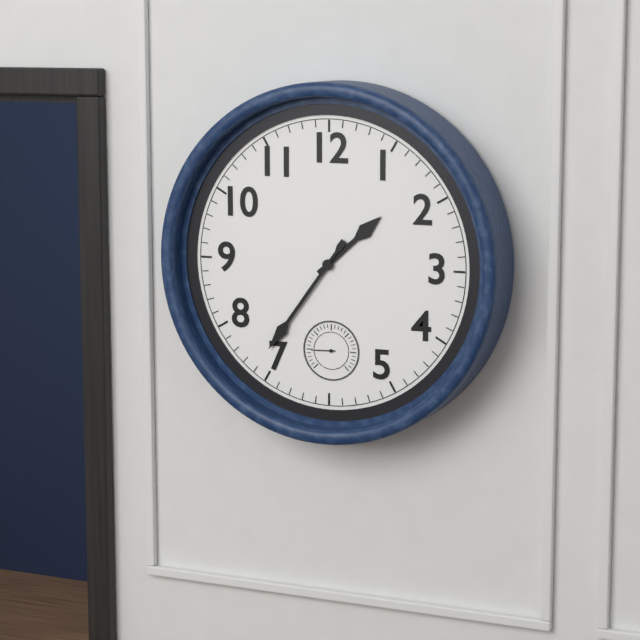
1,36
